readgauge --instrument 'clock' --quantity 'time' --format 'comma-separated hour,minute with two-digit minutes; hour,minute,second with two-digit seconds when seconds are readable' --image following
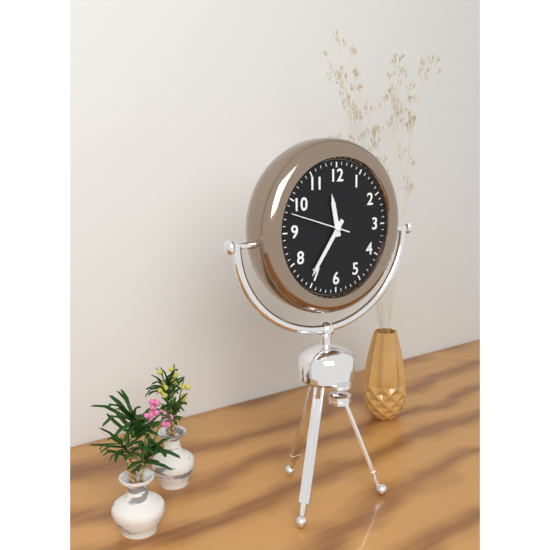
11,36,48
